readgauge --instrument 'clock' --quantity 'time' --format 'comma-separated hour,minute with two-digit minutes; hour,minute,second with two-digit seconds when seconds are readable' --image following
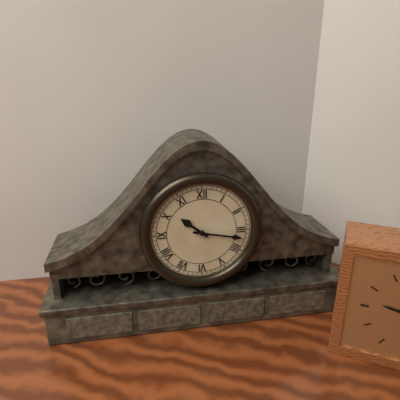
10,17
